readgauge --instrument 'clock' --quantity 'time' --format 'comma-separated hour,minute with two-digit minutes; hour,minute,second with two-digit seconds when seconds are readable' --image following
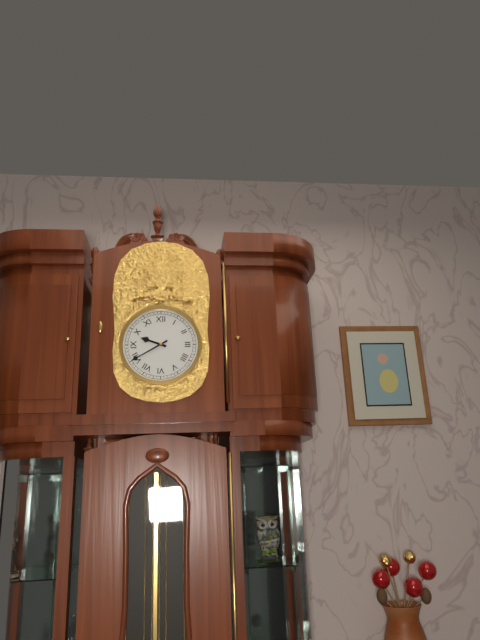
9,40
